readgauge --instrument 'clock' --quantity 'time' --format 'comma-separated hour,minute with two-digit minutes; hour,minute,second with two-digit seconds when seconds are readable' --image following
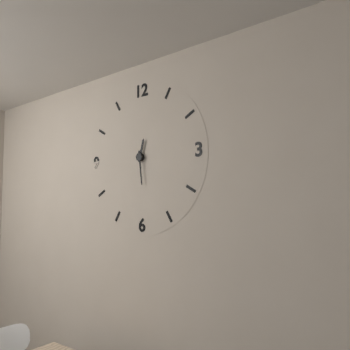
12,29
